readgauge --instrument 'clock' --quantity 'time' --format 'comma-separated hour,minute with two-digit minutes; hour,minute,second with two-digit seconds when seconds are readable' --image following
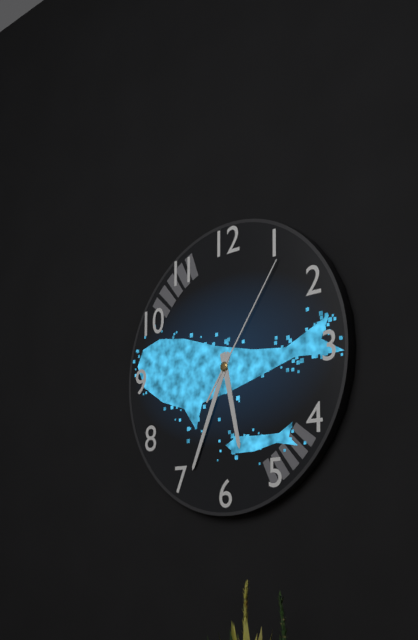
5,34,06
